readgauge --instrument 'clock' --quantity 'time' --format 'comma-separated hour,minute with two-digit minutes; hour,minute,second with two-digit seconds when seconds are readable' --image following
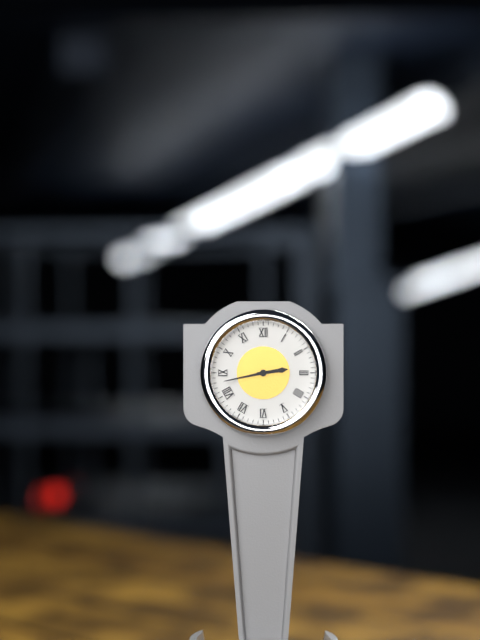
2,43
